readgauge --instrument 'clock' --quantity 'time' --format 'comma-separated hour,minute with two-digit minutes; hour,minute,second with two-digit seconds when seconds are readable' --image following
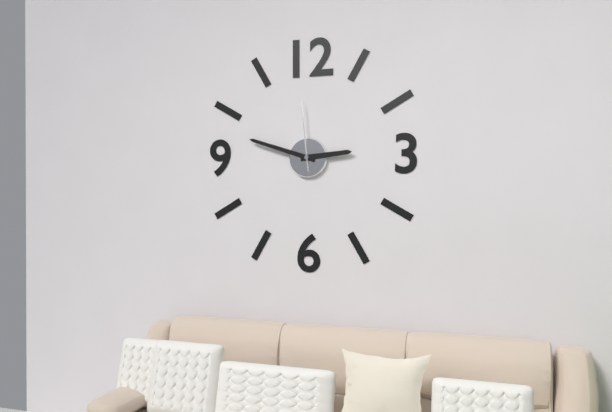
2,48,59
